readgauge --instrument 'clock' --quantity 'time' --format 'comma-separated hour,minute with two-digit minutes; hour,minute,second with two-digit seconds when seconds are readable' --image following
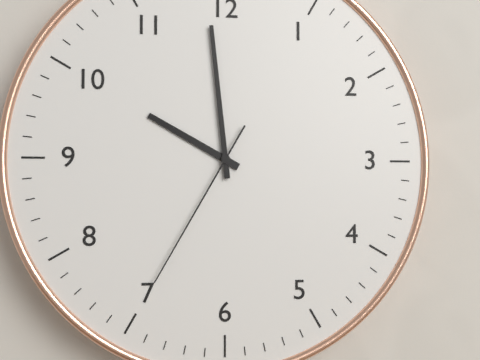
9,59,35
